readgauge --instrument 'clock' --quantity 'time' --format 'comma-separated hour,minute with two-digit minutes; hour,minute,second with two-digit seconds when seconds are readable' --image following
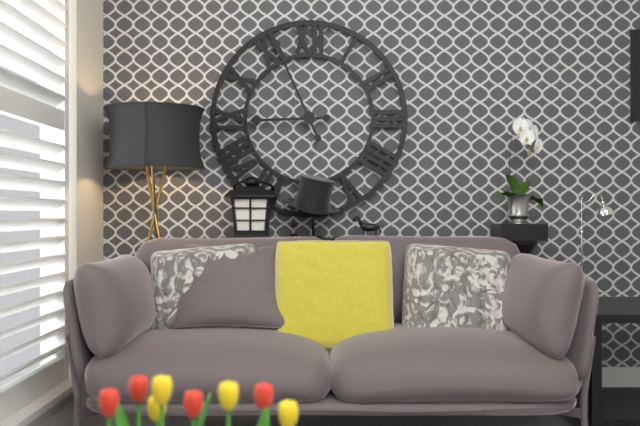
8,56
